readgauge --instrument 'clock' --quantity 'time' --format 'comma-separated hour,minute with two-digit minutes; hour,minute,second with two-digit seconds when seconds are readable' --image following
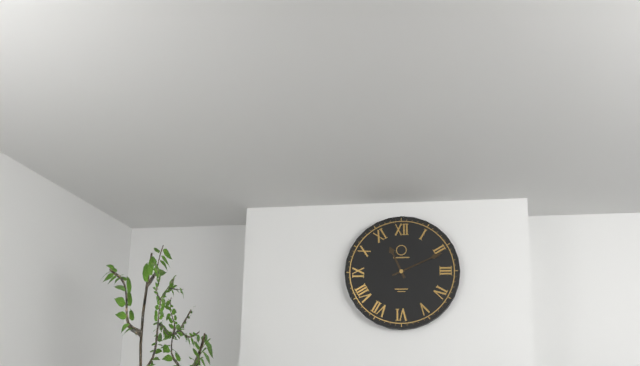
11,11
